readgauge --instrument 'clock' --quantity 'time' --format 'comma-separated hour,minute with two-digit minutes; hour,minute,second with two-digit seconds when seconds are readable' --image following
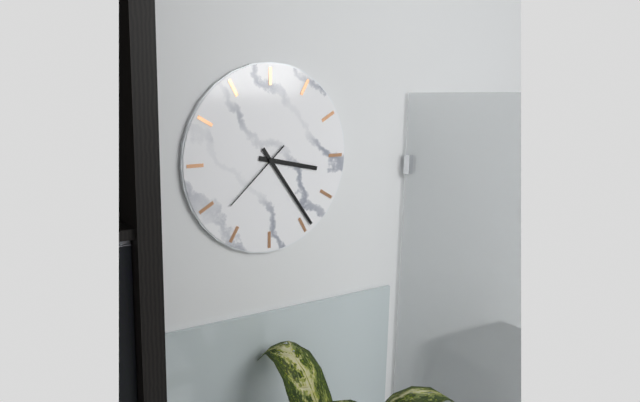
3,24,38
